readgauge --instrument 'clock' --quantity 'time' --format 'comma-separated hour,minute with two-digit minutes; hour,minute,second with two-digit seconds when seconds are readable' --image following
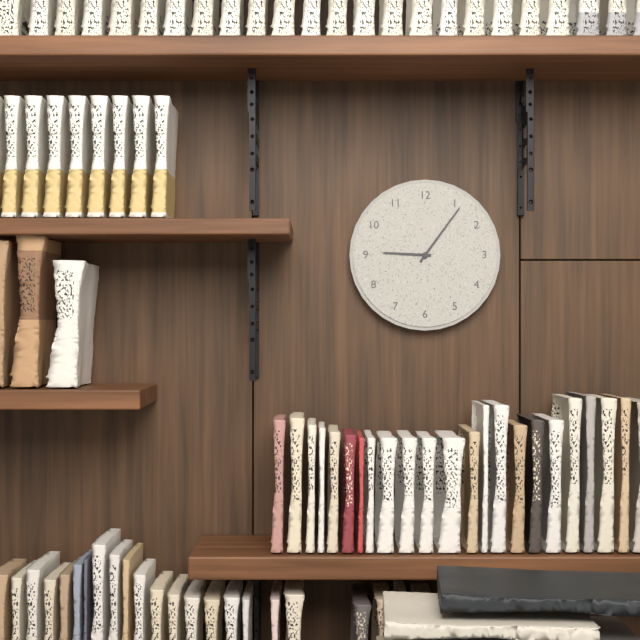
9,06
